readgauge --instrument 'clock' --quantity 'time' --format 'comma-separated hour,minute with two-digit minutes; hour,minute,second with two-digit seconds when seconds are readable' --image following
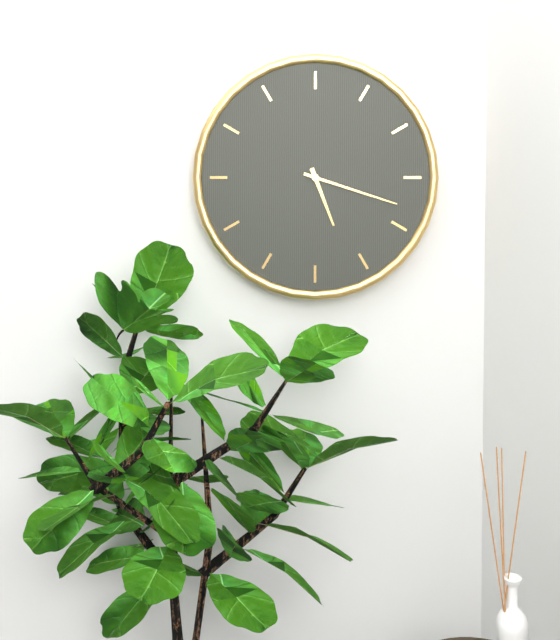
5,18
